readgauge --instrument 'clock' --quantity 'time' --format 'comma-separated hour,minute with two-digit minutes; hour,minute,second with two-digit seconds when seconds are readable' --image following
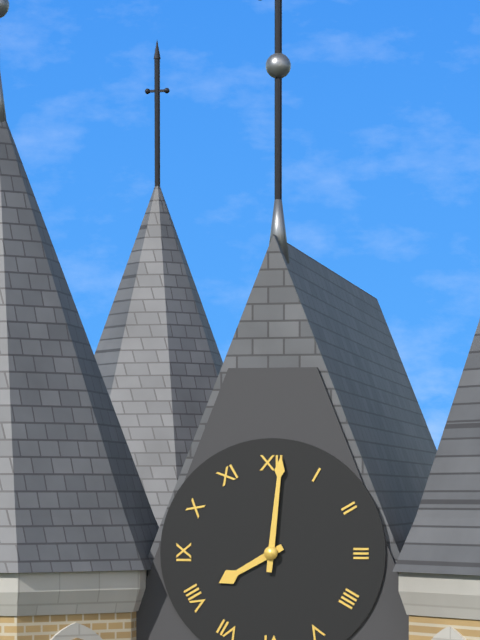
8,01
